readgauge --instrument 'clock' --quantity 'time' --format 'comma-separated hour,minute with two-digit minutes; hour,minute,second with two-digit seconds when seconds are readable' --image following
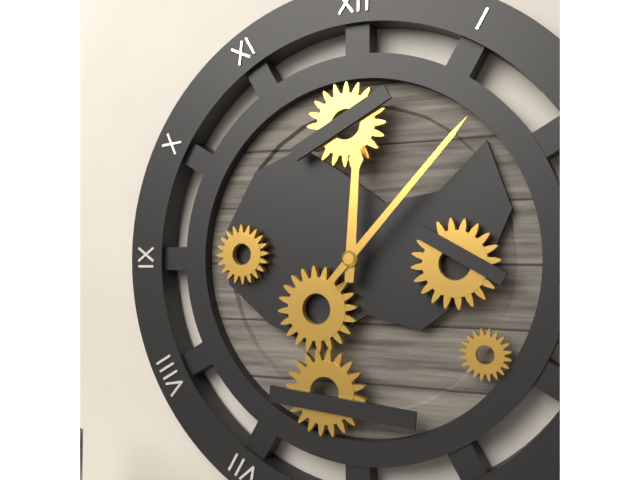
12,07
